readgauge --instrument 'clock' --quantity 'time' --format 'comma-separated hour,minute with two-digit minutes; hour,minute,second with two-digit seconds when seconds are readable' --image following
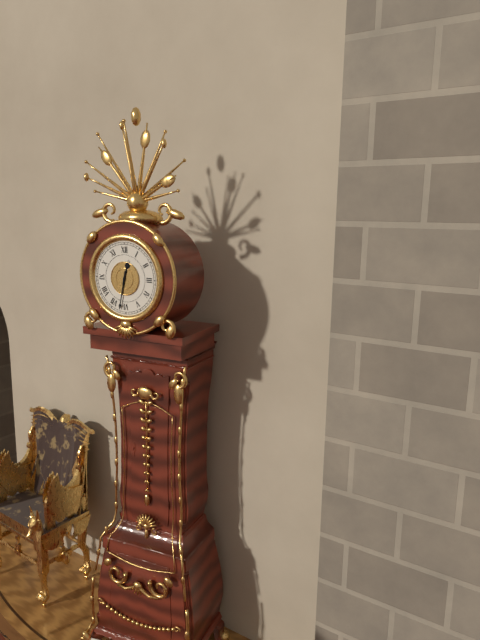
12,32
